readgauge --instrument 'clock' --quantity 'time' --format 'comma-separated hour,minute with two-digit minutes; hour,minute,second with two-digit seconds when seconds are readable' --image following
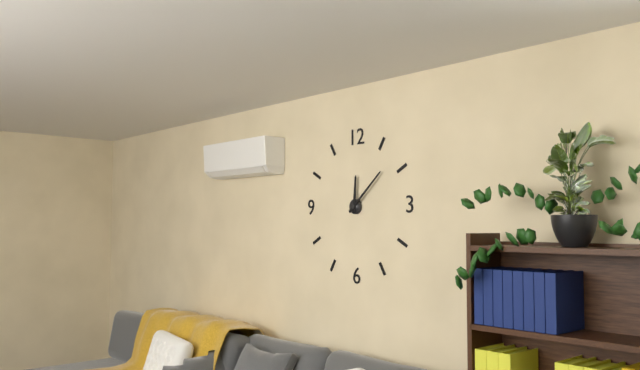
12,08
